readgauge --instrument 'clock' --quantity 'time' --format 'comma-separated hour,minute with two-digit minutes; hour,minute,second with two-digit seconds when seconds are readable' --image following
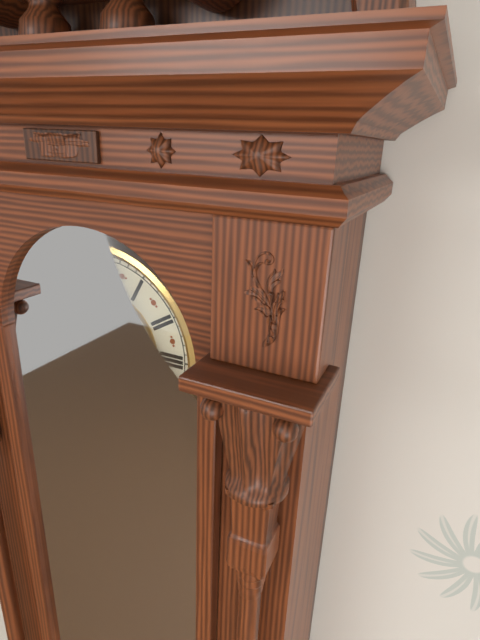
2,40
